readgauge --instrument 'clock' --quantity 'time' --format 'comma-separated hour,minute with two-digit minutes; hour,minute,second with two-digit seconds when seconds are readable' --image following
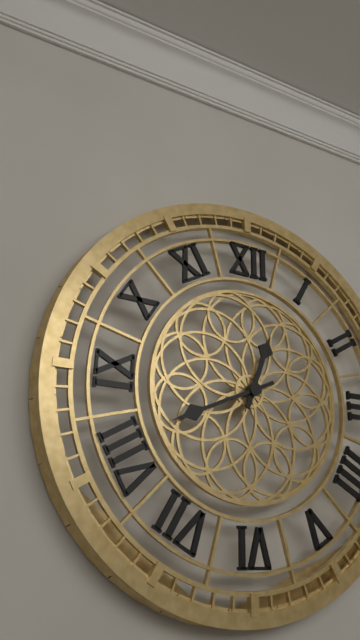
12,41
